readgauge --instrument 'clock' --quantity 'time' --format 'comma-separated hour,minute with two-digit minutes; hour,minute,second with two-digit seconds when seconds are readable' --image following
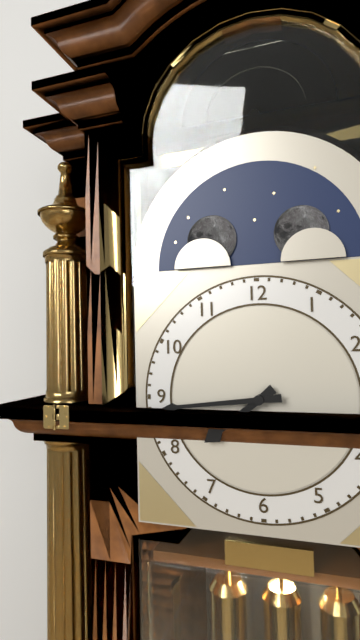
7,44
